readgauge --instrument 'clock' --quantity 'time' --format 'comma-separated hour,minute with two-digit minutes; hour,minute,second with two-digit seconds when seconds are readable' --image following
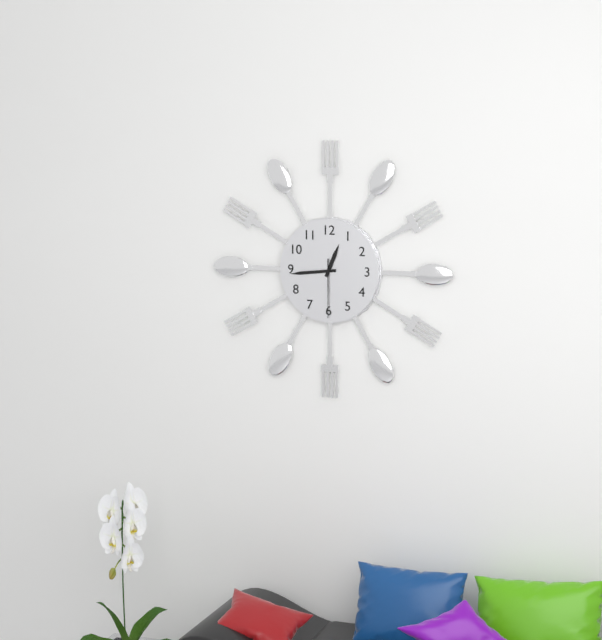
12,44,30
